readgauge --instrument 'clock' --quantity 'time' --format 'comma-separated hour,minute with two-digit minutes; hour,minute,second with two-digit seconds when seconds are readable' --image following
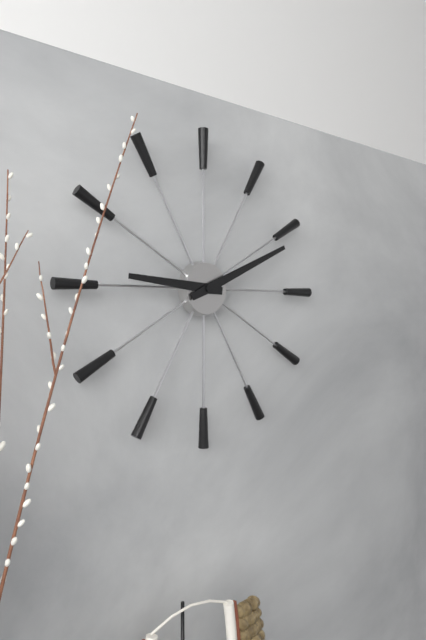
9,11
